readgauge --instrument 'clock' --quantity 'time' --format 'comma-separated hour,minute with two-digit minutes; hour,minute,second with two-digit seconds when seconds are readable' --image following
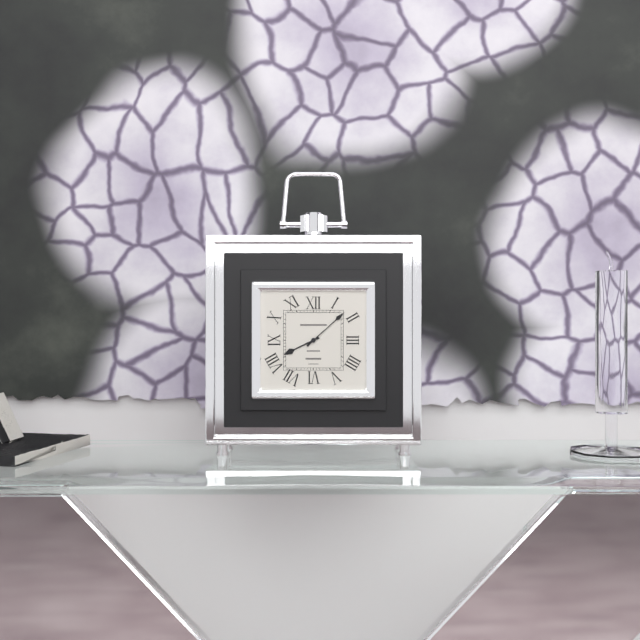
8,08
